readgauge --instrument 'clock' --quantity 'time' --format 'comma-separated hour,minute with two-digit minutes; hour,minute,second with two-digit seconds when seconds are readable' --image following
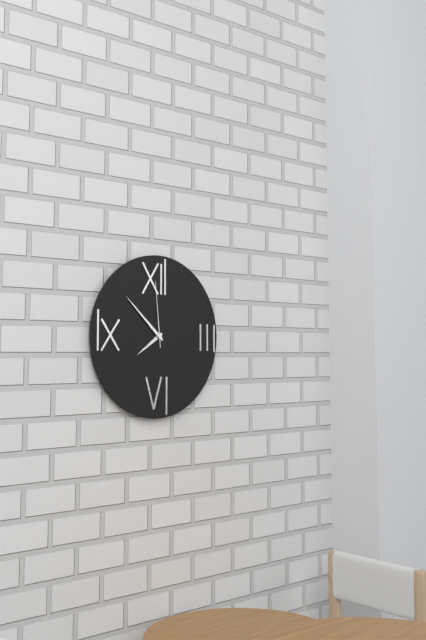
7,52,59
